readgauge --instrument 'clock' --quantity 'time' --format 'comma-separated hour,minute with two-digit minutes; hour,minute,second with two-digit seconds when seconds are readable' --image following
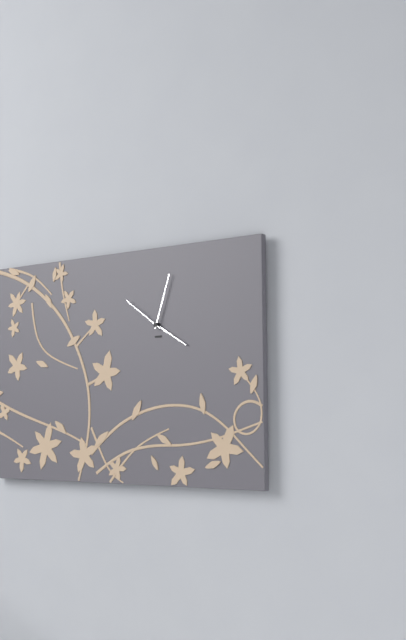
4,03
